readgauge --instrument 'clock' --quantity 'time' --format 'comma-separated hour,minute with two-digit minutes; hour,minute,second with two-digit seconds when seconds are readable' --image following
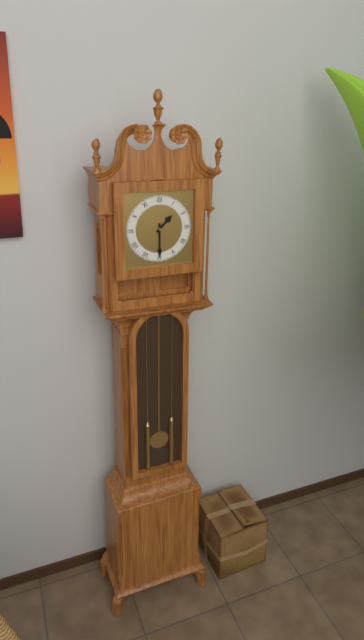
1,30
